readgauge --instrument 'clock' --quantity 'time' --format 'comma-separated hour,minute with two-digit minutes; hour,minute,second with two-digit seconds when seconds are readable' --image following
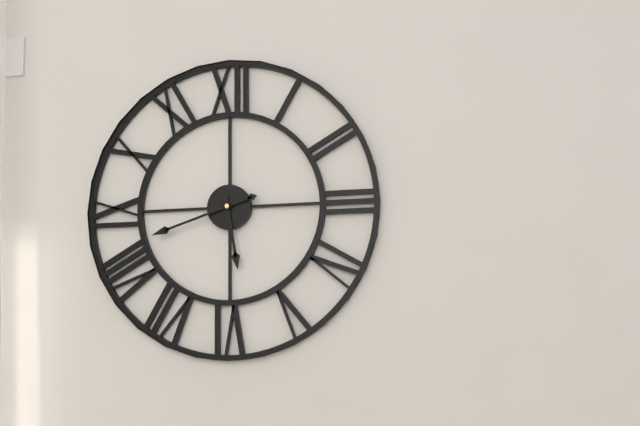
5,42
